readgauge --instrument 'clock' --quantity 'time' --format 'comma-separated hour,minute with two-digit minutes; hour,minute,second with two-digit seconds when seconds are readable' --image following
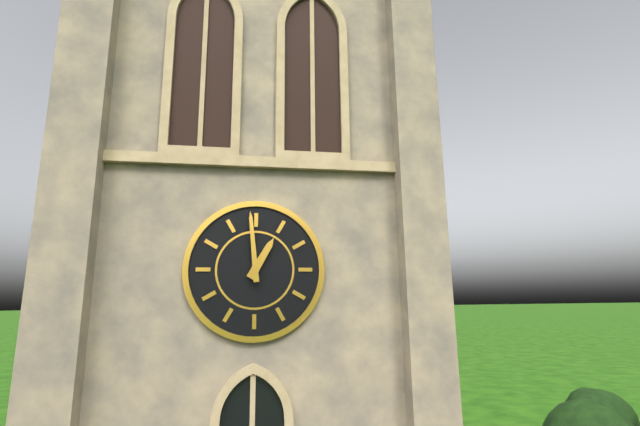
12,59
